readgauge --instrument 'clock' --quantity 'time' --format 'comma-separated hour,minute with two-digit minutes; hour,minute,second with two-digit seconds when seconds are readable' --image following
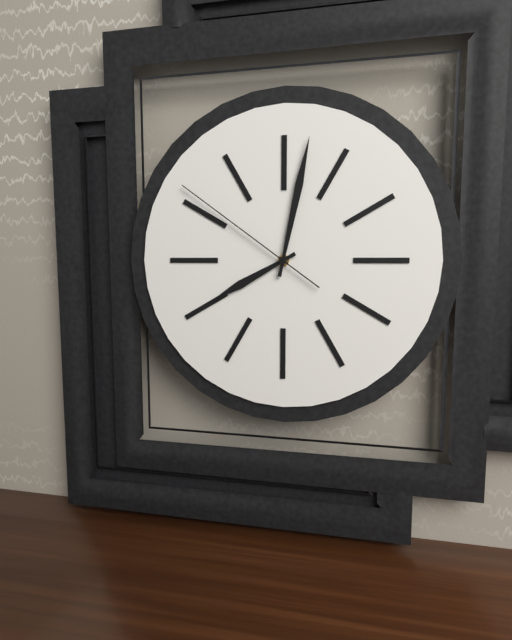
8,02,51
